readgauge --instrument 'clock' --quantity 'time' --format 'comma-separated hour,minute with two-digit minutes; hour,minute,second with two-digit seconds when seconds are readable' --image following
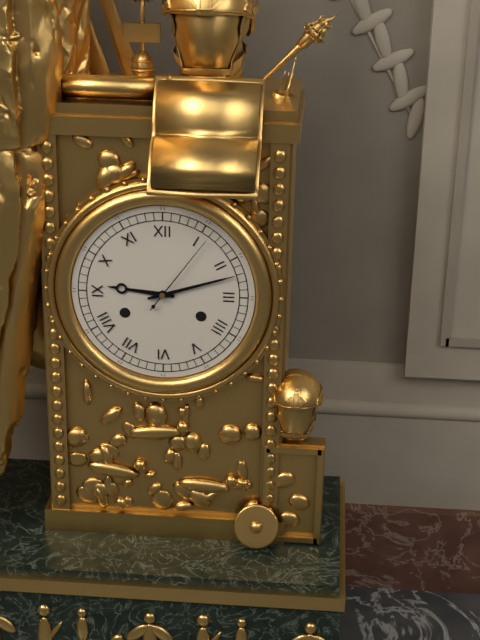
9,12,06
